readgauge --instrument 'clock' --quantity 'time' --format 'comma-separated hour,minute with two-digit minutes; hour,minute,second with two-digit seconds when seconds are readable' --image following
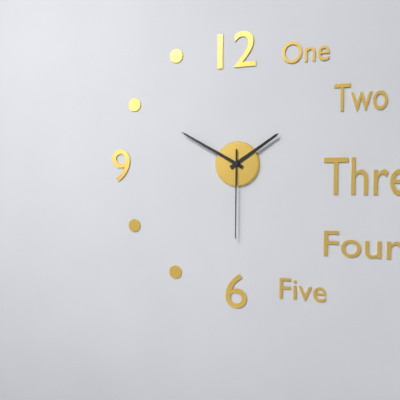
1,50,30
